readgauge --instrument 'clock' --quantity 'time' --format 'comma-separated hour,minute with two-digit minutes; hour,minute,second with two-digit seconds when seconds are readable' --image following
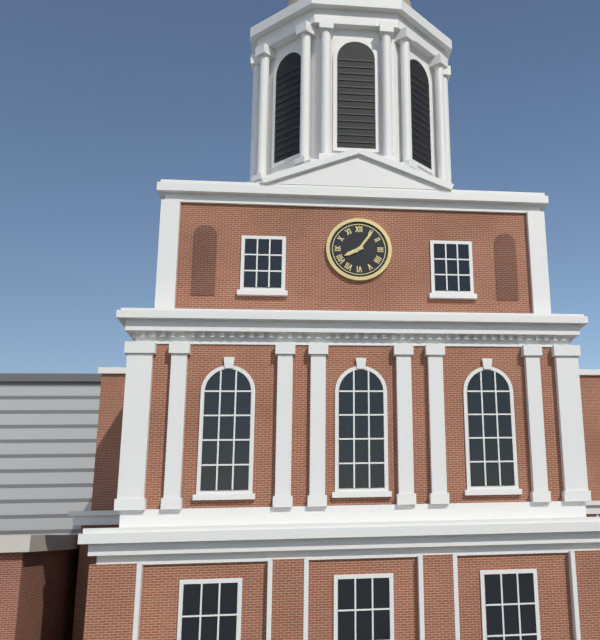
8,06
